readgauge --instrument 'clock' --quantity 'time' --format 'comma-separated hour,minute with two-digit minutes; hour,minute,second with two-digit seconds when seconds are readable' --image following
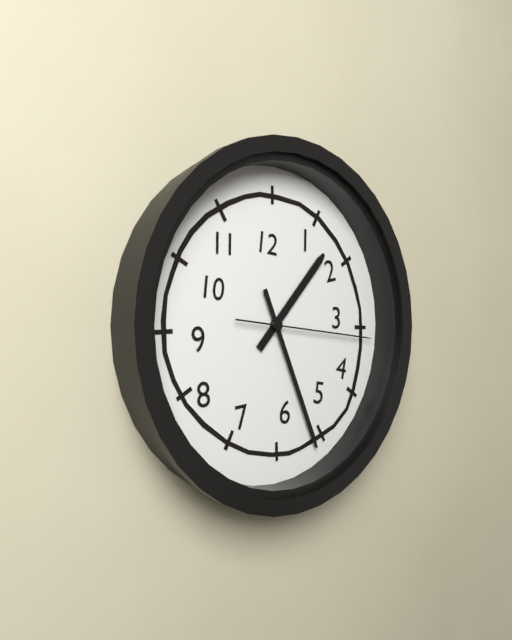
1,26,16
